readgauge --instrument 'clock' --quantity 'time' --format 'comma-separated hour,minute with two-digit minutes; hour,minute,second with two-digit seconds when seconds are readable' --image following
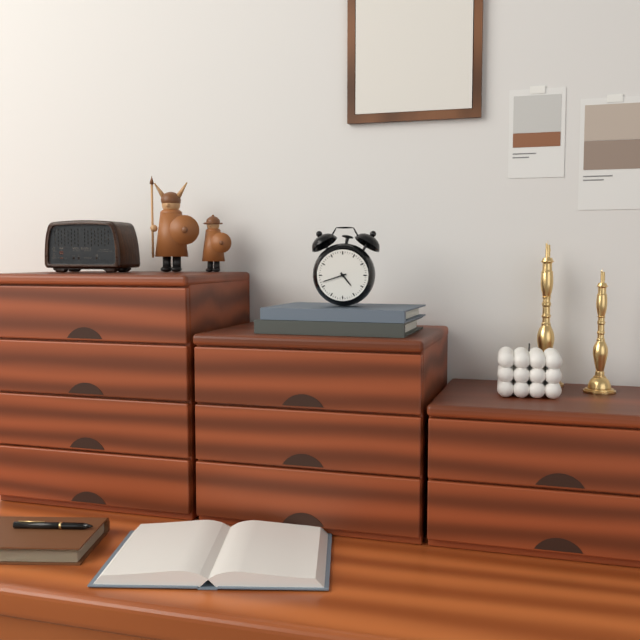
4,42
